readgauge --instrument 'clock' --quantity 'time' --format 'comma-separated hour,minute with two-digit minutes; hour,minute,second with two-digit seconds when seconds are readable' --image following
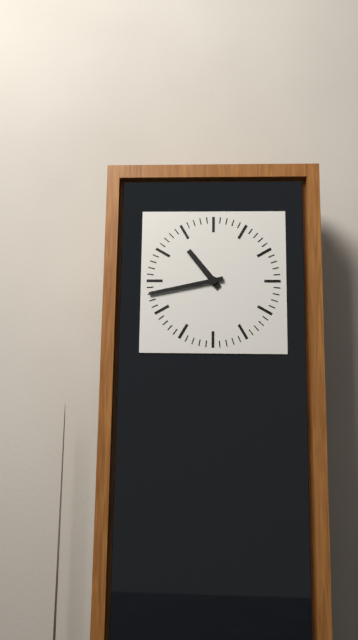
10,43
